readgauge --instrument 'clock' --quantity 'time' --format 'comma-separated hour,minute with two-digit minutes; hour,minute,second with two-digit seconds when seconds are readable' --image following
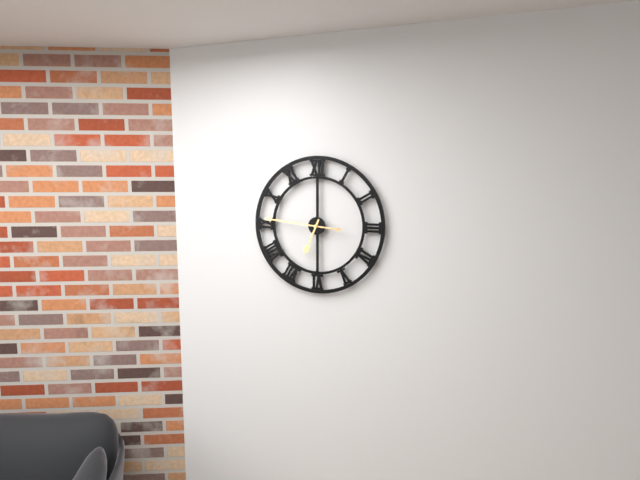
6,46
